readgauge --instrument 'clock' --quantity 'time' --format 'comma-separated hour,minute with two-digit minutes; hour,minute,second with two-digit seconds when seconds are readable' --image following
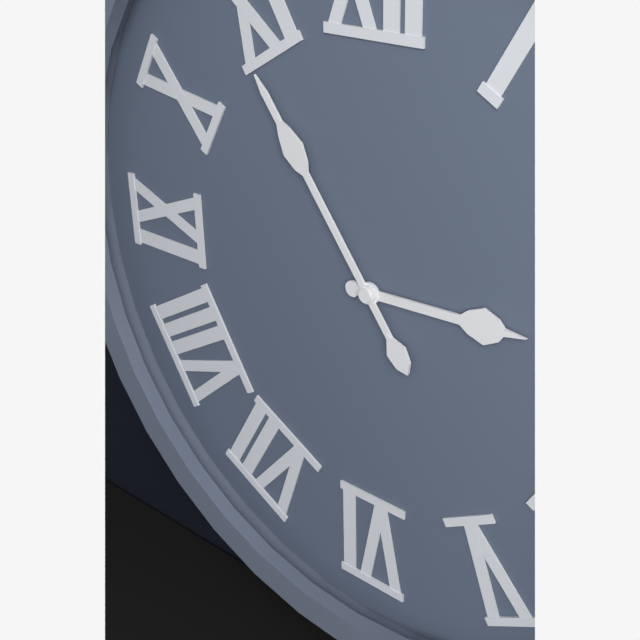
2,54
